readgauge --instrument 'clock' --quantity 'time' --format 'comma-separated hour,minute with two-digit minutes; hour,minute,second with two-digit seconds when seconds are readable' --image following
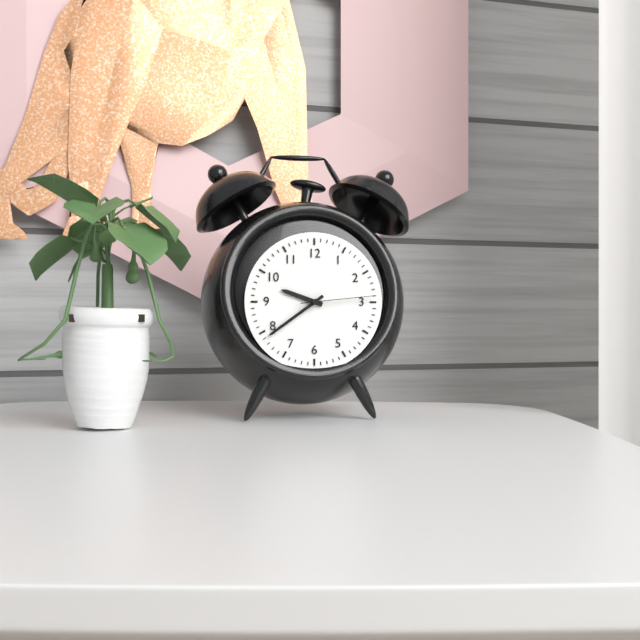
9,39,14
